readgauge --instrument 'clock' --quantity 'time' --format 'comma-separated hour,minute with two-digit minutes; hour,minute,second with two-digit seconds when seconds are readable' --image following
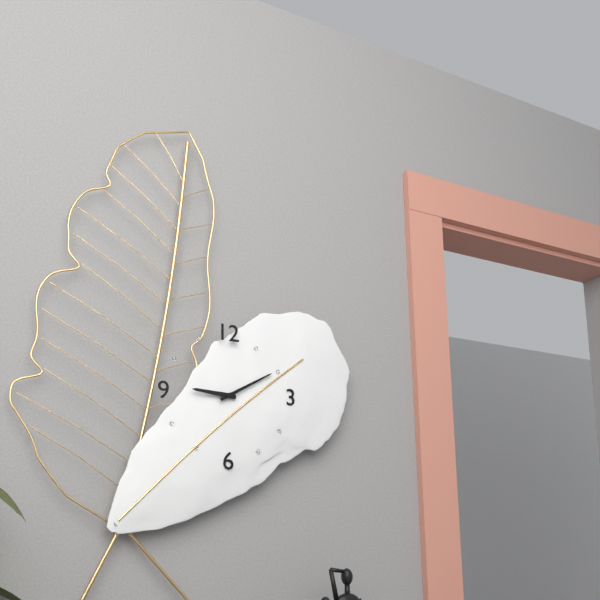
9,10
